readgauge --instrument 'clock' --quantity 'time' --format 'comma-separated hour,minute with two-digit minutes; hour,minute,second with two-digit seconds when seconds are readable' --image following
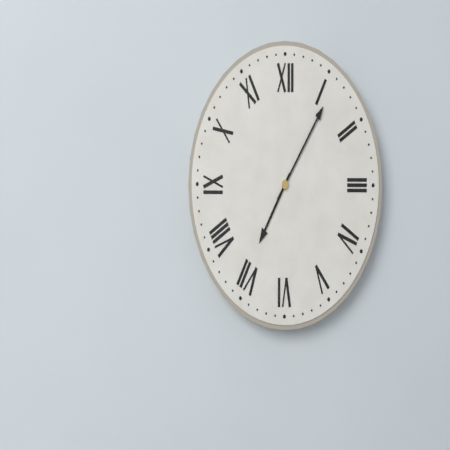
7,06
